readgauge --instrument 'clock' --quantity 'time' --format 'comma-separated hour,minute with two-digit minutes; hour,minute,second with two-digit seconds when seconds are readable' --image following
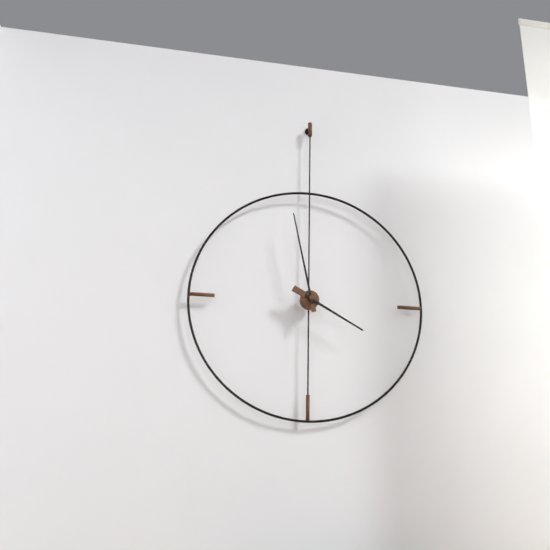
3,58
